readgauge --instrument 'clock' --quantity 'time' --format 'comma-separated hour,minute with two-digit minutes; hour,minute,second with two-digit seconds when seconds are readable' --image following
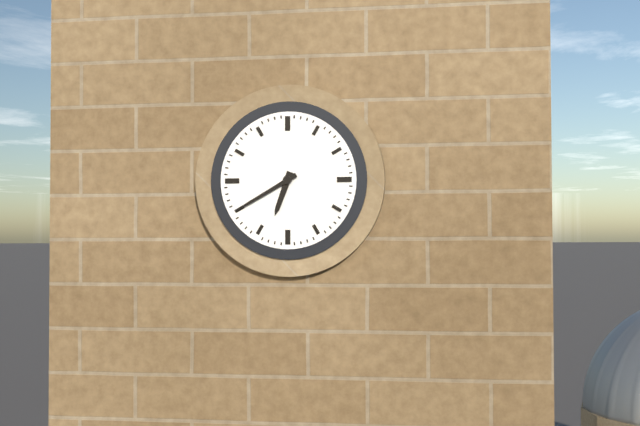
6,40
